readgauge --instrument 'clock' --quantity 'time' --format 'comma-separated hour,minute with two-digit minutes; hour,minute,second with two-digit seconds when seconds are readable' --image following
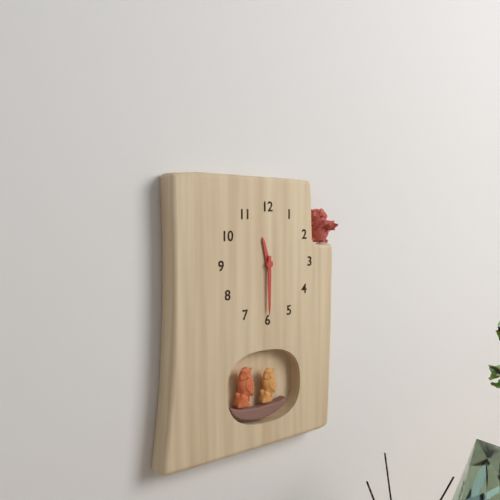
11,30
